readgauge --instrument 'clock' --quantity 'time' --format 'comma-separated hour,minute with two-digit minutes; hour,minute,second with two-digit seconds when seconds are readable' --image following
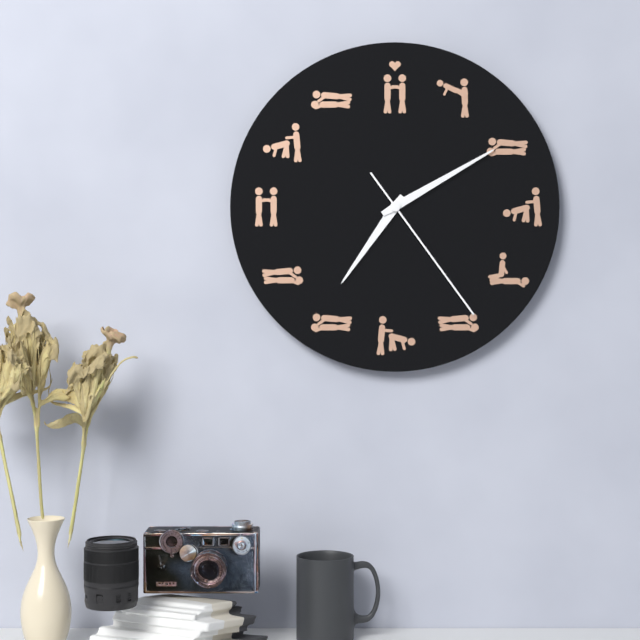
7,10,24
